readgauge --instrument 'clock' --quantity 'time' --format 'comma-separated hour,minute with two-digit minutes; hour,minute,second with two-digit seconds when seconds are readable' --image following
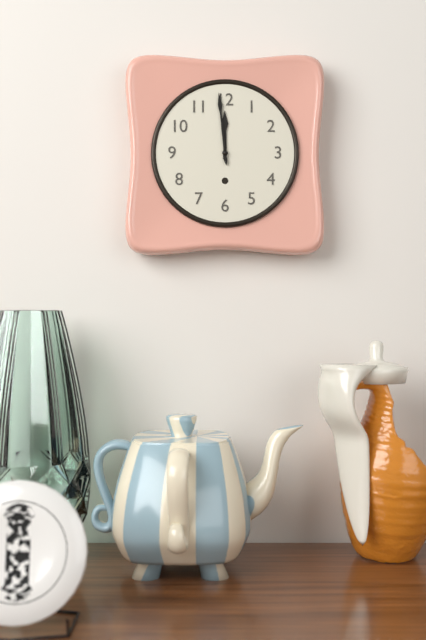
11,59
